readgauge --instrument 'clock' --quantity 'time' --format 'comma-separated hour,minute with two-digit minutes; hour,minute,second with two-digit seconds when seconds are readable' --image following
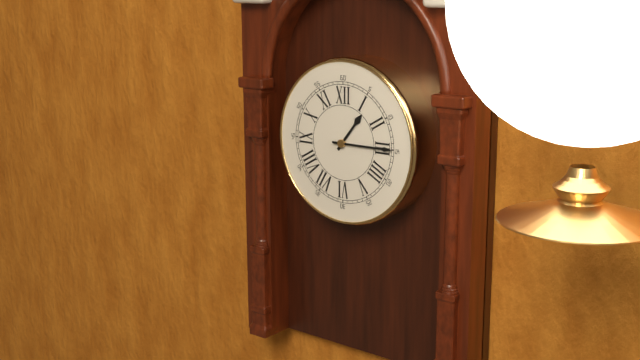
1,15
